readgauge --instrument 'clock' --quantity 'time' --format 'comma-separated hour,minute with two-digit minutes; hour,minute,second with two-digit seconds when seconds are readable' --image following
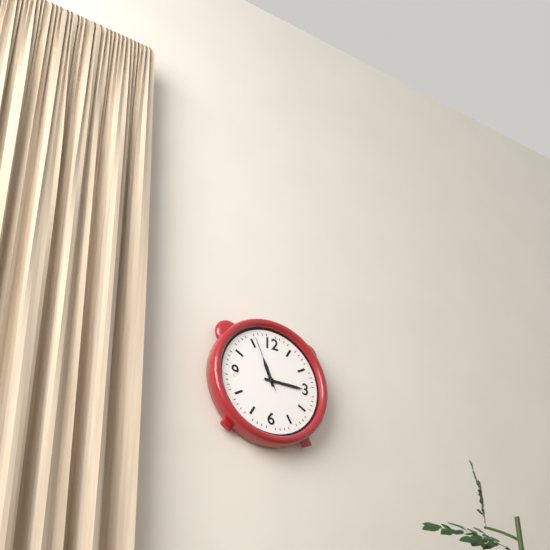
11,15,56
